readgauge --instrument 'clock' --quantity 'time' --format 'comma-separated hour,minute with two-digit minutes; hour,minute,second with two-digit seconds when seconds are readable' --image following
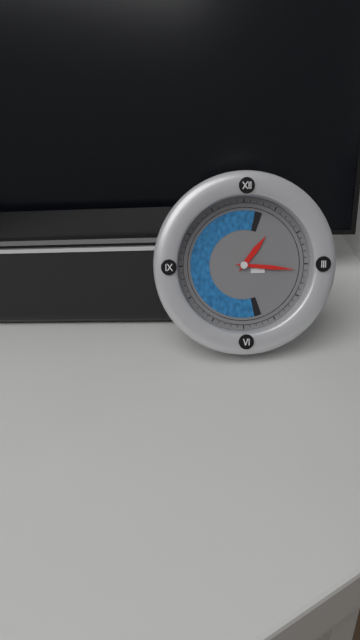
1,16
